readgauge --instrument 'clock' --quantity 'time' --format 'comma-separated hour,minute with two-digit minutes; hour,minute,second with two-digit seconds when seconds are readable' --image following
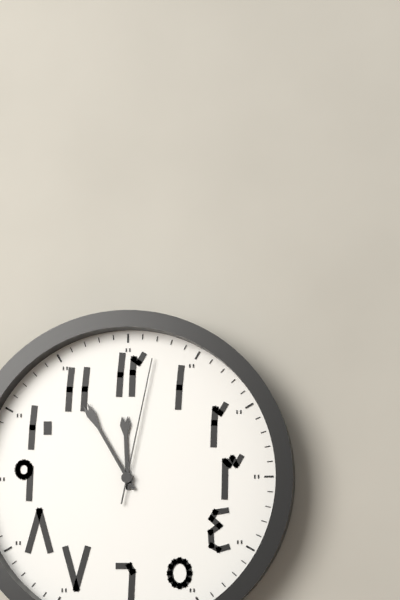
11,55,02
